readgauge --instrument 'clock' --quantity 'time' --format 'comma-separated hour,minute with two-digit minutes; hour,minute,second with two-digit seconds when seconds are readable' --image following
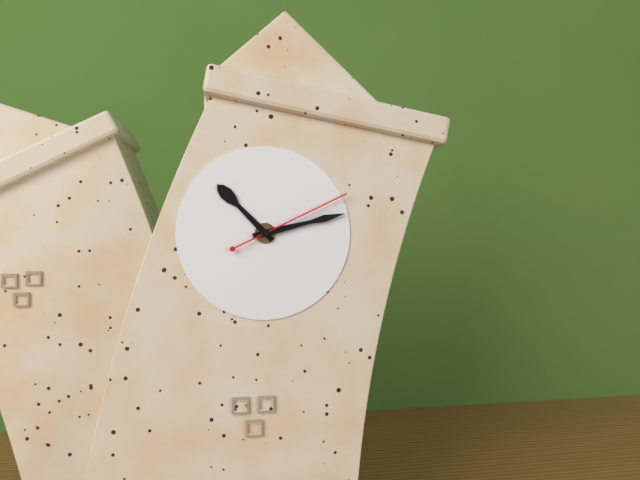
10,11,09
